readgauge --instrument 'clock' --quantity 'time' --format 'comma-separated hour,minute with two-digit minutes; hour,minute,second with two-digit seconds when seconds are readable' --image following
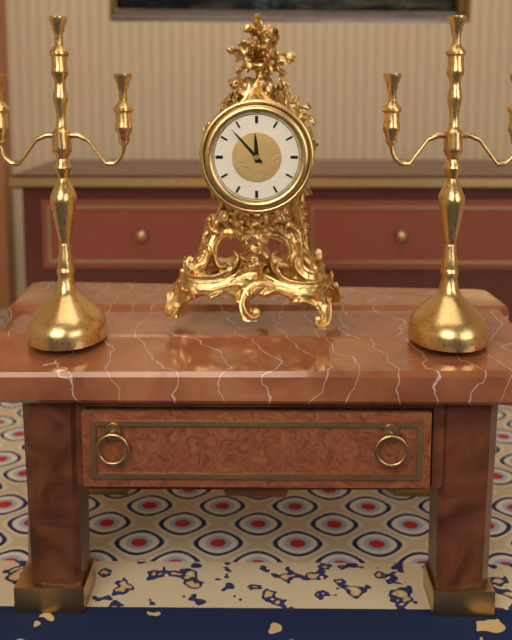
11,53
